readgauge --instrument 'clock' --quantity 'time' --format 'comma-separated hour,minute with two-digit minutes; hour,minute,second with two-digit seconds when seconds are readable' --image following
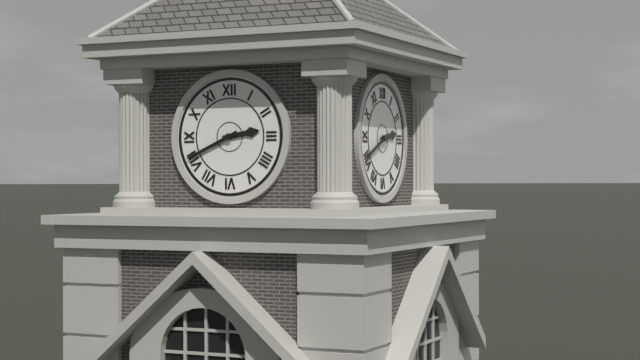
2,41
